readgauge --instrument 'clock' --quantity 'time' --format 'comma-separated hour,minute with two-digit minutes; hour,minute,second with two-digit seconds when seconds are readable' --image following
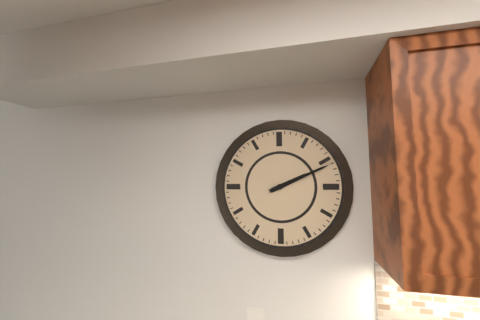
2,11
